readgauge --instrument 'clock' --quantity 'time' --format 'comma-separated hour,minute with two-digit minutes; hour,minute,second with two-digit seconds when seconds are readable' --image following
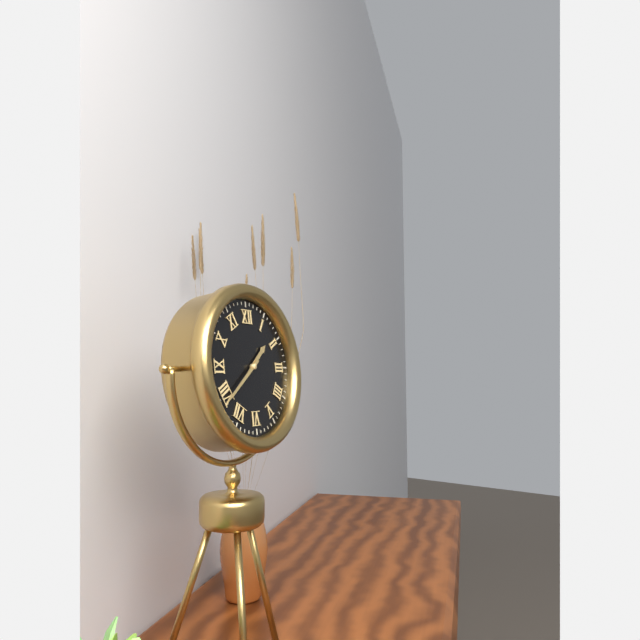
1,39
